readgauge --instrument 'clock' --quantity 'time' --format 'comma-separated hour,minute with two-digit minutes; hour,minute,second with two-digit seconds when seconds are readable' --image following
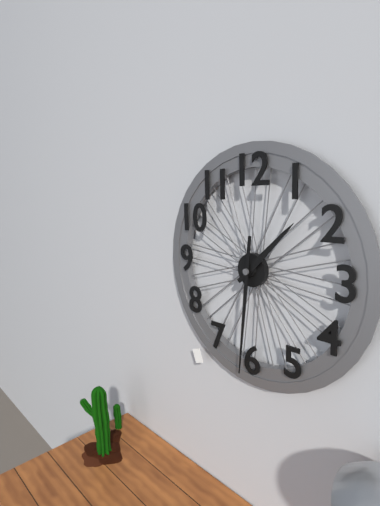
1,31
